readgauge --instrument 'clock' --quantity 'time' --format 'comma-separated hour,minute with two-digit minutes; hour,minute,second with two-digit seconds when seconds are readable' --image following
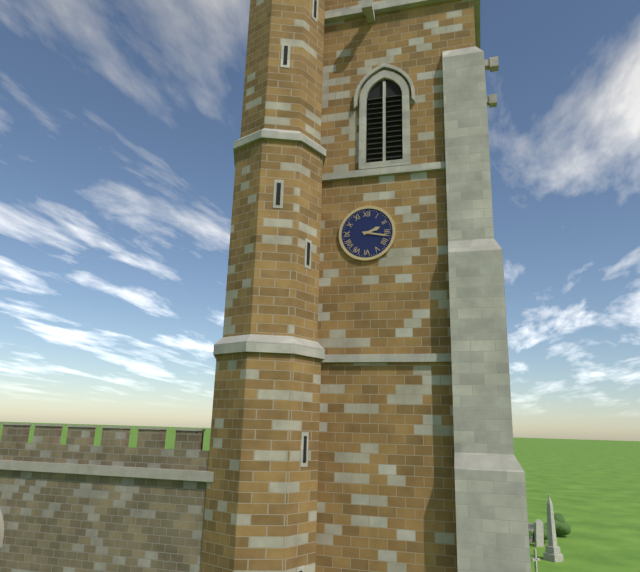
2,17
